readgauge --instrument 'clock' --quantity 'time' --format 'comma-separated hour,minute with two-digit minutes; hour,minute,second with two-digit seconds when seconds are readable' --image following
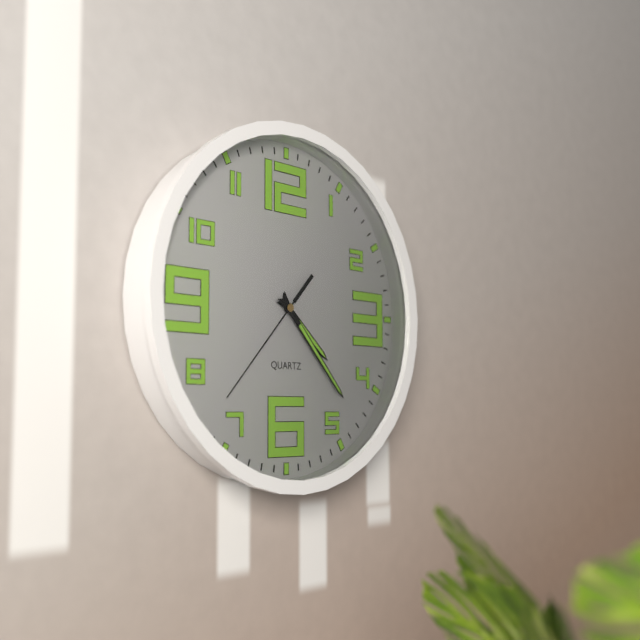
4,23,37
